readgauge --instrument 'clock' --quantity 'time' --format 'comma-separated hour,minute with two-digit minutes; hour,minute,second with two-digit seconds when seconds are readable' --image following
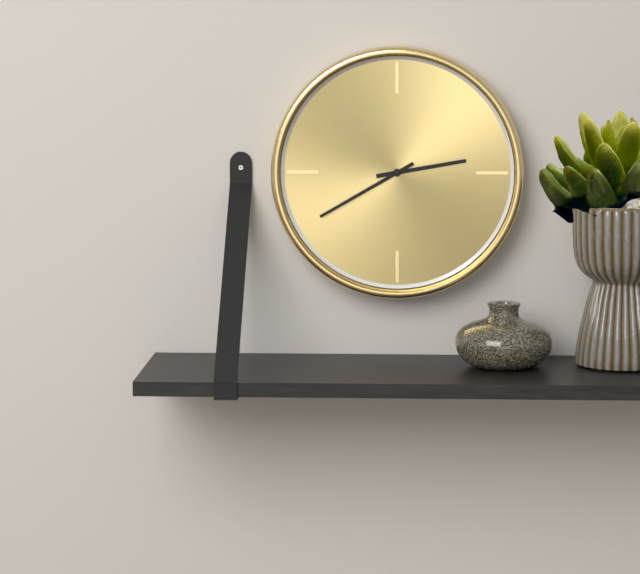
2,40
